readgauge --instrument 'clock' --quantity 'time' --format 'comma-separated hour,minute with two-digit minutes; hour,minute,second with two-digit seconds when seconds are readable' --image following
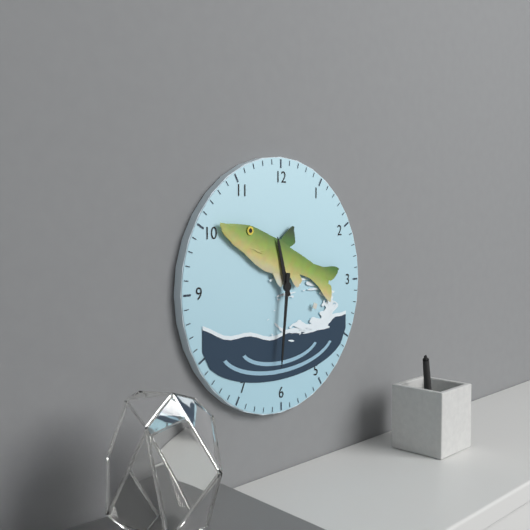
11,31
